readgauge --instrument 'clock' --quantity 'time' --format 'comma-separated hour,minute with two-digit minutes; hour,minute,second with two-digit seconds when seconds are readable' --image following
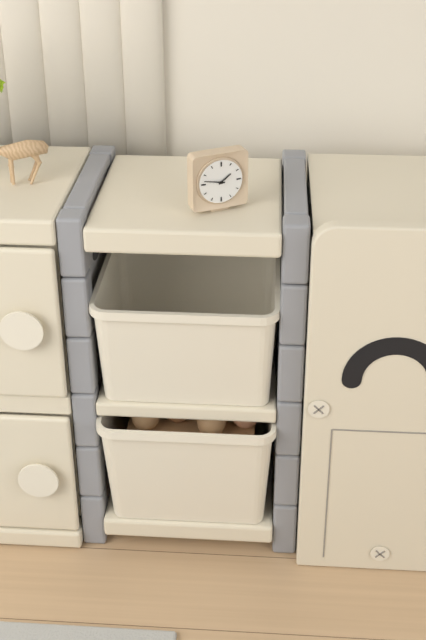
1,47
